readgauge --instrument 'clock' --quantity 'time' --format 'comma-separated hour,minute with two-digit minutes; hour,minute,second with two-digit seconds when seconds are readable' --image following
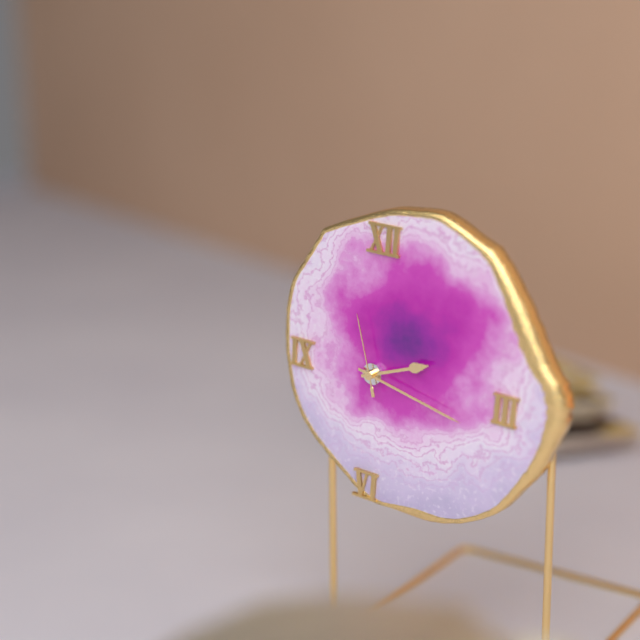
2,17,57
